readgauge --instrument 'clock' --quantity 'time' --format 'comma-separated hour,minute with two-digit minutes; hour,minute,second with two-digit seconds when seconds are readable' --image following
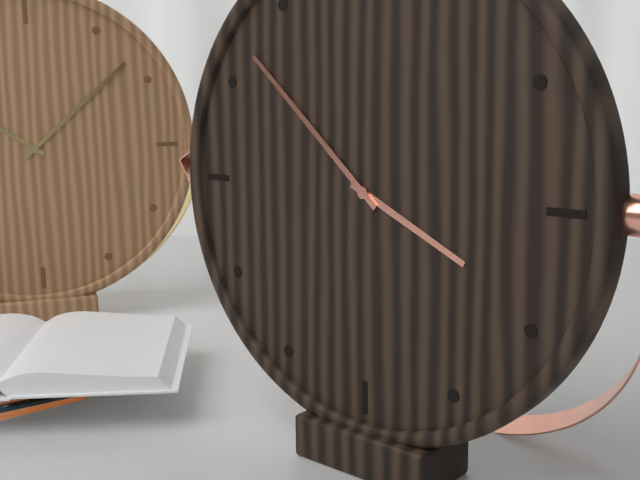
3,52
